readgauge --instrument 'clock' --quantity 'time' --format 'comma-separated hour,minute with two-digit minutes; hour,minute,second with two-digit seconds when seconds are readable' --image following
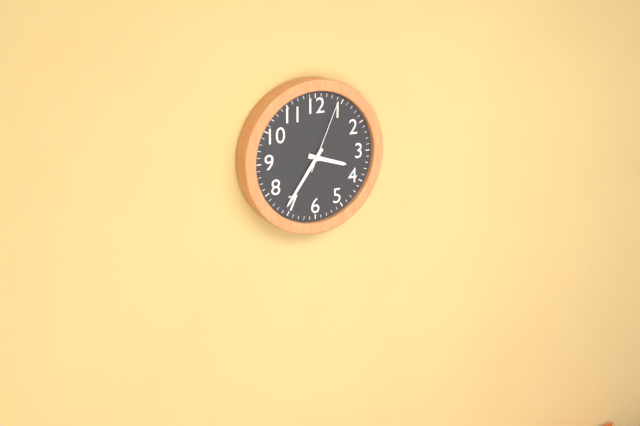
3,36,04
